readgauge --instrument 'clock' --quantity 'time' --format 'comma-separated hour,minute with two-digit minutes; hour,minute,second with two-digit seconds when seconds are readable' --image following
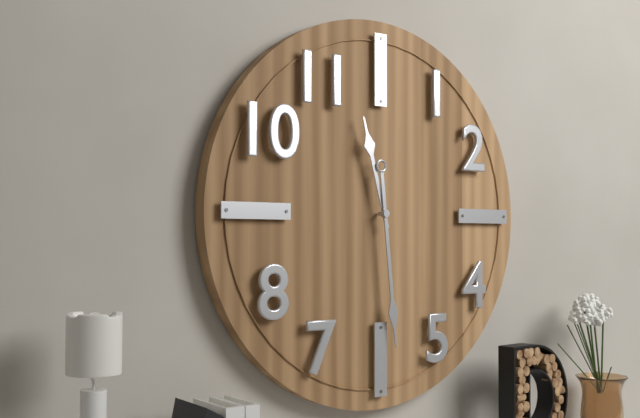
11,29
